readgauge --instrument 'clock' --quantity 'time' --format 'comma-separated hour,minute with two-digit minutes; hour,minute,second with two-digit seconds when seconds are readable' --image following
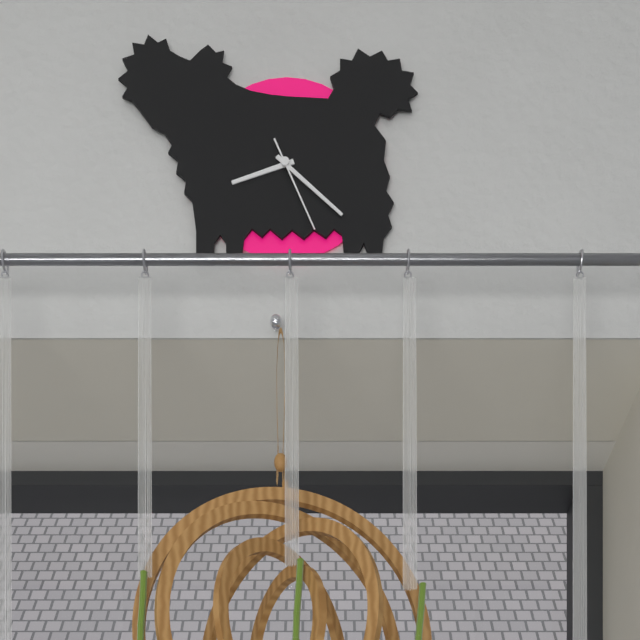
8,22,26
